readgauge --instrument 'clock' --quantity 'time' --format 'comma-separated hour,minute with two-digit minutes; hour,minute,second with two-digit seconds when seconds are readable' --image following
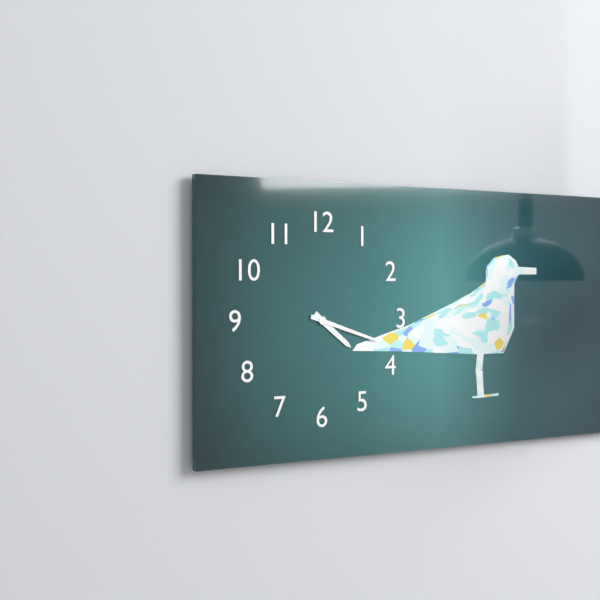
4,18
